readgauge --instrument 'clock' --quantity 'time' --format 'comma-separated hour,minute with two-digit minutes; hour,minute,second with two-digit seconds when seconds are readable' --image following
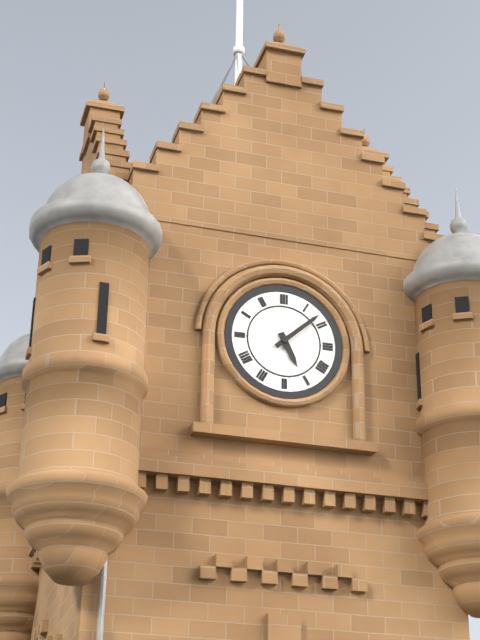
5,08
